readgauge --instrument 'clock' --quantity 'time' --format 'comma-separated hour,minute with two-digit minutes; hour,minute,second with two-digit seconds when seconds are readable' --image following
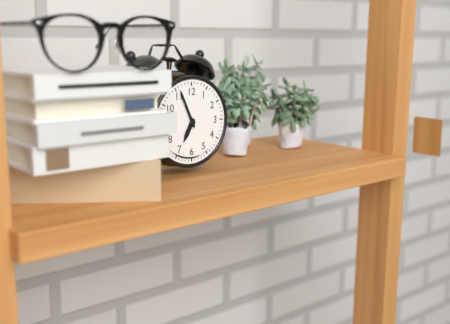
6,56
